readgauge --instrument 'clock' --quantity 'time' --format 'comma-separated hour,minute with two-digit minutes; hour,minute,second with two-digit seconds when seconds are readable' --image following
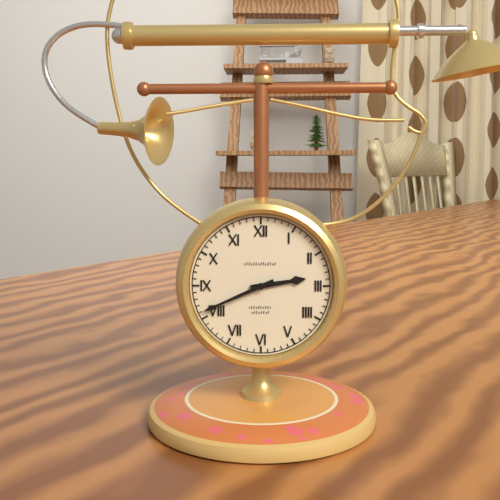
2,41
